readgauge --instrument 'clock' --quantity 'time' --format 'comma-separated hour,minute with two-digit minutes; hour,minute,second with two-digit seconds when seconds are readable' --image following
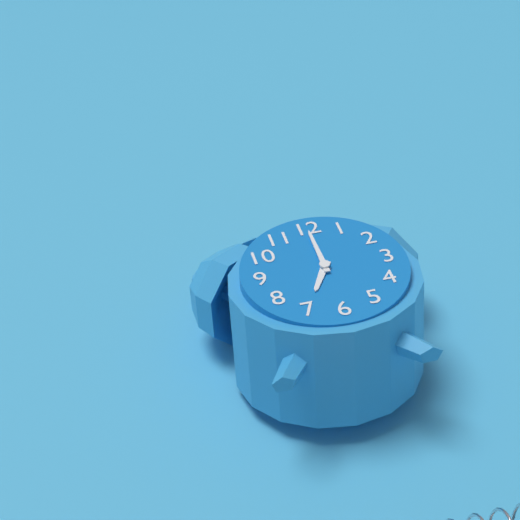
7,00
